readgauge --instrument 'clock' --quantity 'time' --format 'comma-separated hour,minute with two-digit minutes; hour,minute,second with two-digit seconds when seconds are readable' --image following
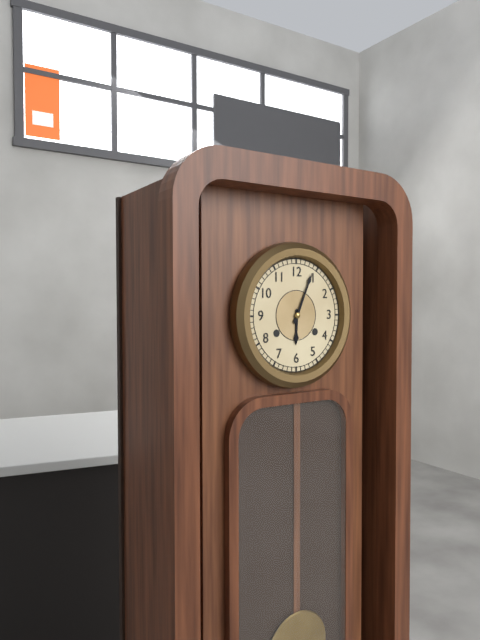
6,04
